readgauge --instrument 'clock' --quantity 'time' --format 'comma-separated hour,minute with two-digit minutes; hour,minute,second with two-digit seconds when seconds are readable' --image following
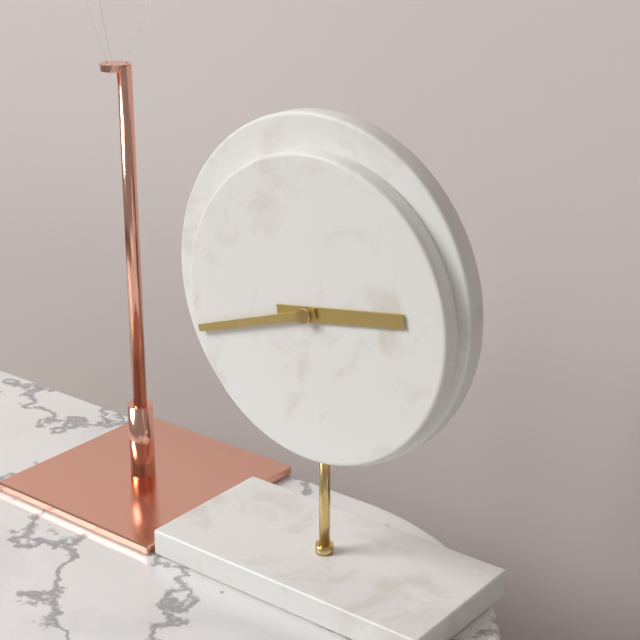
2,42
